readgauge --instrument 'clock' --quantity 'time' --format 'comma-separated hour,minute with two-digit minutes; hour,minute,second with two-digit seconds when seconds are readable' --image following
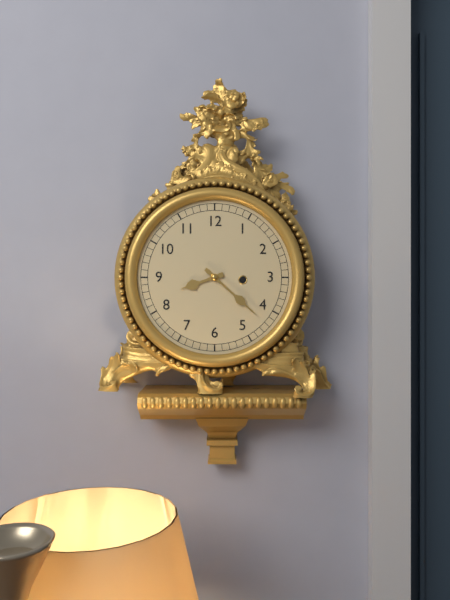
8,22
